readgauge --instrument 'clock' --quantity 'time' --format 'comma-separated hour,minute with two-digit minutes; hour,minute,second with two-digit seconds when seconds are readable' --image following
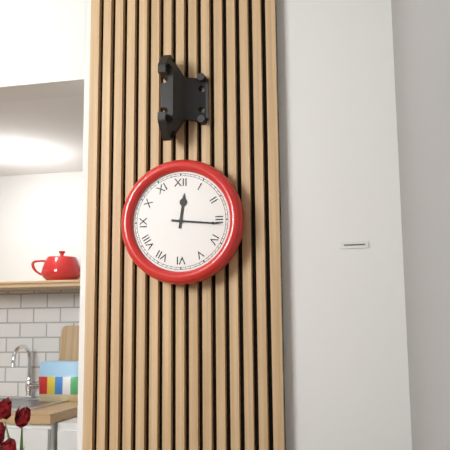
12,16
